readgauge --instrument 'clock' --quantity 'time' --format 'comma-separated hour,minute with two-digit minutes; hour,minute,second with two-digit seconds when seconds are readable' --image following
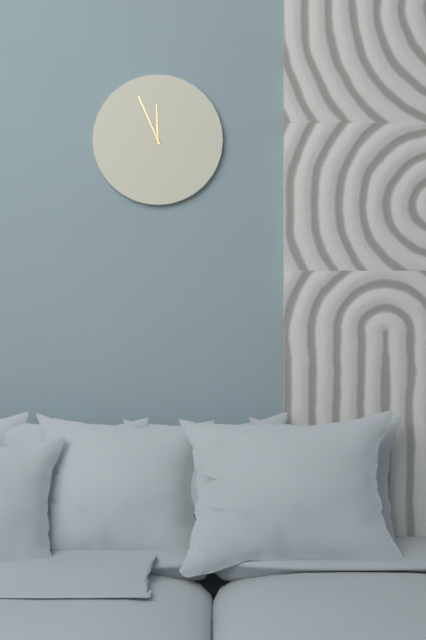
11,56
